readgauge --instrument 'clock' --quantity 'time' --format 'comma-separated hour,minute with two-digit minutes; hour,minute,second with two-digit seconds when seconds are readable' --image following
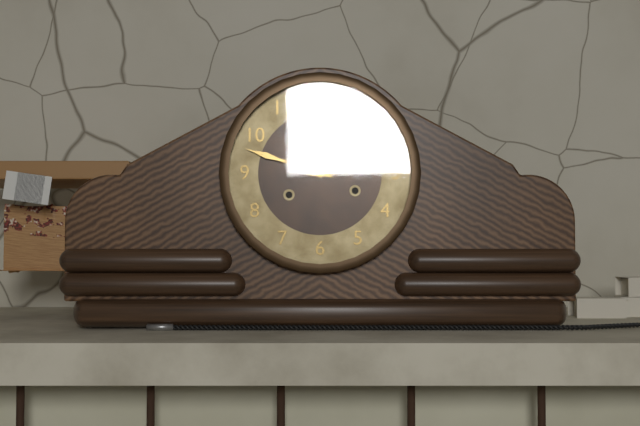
2,48
